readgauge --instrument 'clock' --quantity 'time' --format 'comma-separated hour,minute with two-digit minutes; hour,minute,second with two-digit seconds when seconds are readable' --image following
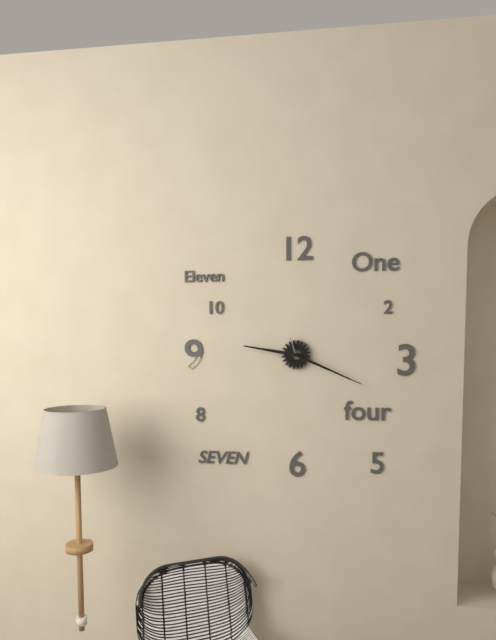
9,19
